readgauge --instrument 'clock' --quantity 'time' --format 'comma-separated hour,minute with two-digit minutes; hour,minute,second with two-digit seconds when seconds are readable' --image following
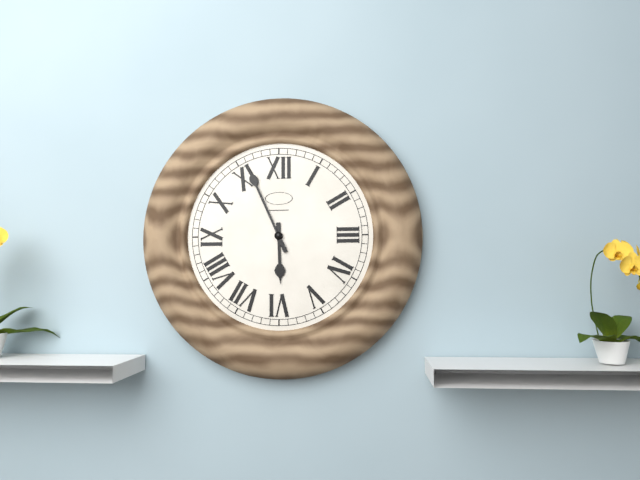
5,56
